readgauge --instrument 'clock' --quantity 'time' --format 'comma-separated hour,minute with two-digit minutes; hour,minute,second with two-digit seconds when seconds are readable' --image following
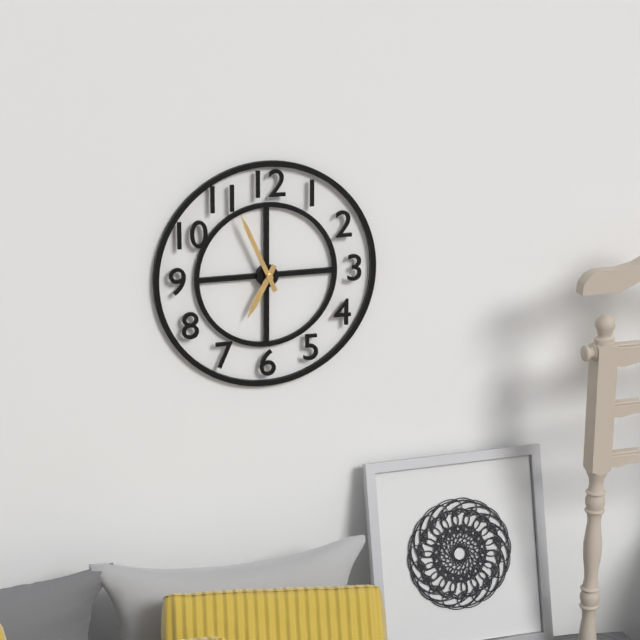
6,56
